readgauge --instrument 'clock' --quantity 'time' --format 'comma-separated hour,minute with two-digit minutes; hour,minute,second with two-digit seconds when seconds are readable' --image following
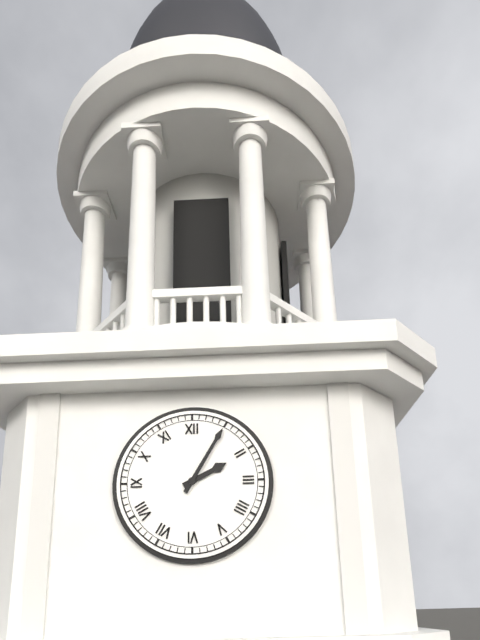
2,05
